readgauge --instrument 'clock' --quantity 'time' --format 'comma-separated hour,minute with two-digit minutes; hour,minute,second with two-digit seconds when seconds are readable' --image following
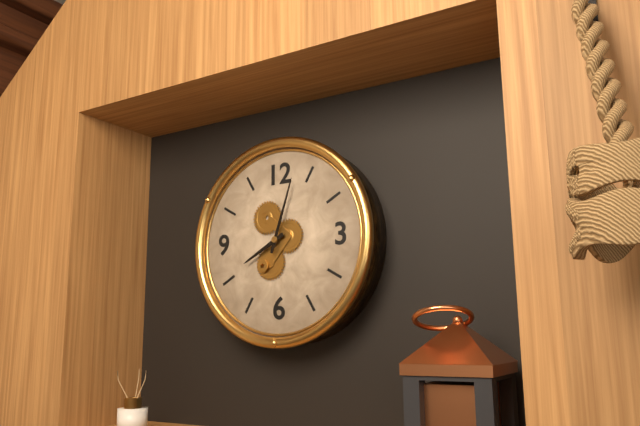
8,03
